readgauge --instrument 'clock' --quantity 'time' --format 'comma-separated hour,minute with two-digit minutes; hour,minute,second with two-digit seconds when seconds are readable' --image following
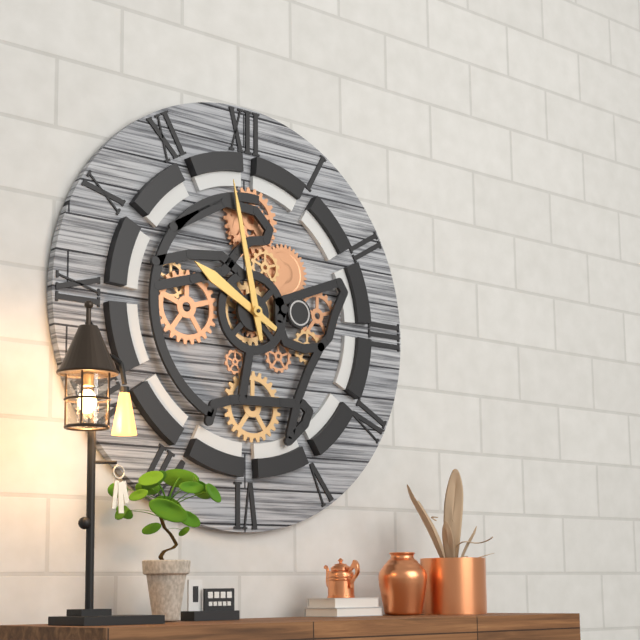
9,58
